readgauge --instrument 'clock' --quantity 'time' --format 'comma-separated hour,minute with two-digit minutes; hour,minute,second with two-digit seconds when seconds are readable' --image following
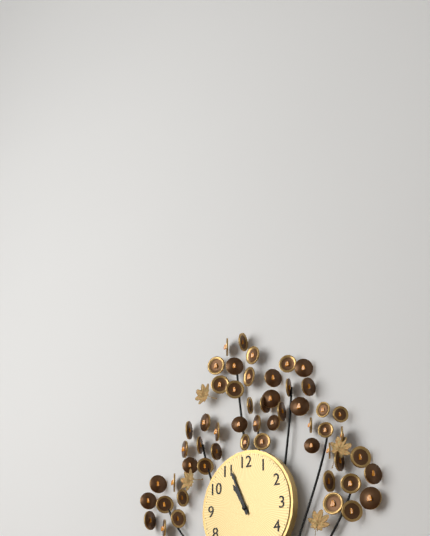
10,56
